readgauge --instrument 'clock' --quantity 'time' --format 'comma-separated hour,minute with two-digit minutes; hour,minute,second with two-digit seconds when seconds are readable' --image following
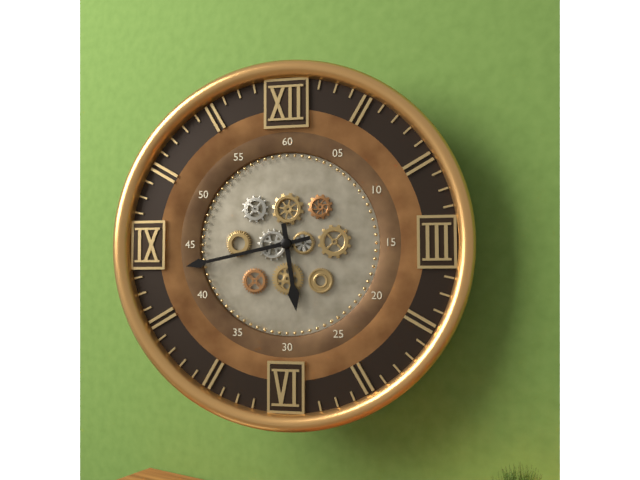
5,43
